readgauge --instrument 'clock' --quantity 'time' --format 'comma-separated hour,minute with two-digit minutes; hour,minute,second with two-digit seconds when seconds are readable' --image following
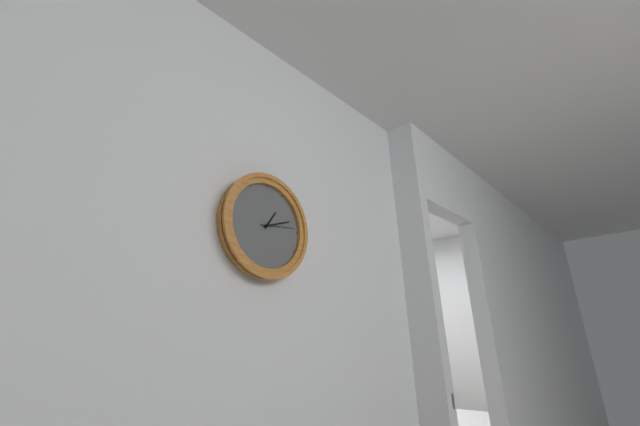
1,12
